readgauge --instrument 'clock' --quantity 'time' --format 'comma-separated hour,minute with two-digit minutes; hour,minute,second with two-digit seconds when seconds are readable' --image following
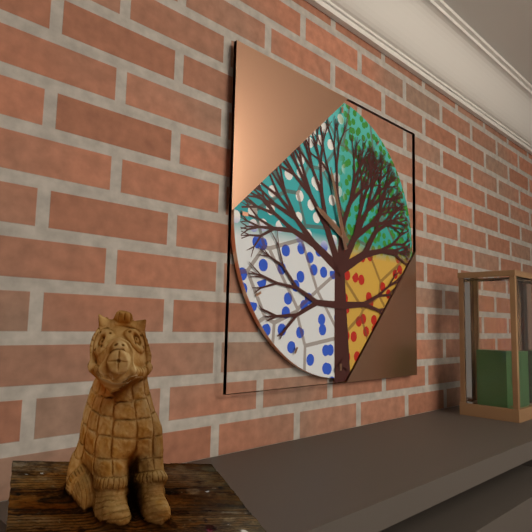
9,57
